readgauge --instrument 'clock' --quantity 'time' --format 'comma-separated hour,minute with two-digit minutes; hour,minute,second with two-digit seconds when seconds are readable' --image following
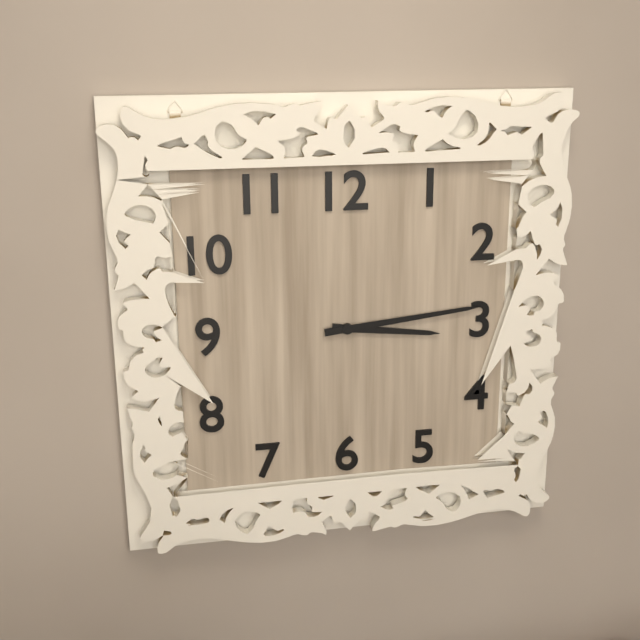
3,14
